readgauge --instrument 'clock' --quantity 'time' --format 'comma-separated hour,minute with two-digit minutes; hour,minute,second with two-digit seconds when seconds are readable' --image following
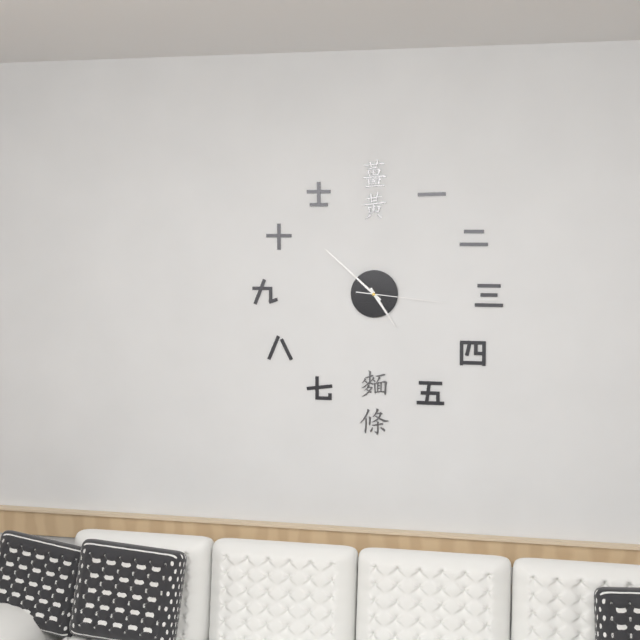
4,52,16
